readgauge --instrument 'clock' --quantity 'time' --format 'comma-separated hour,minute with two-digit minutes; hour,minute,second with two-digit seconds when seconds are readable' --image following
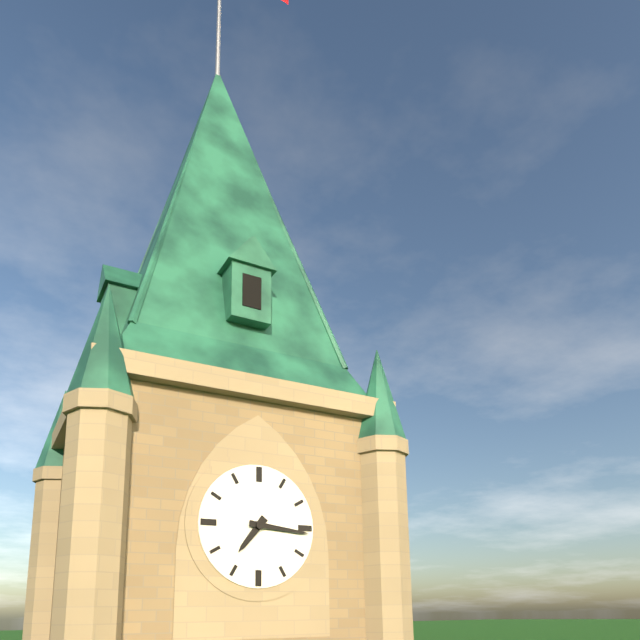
7,16
